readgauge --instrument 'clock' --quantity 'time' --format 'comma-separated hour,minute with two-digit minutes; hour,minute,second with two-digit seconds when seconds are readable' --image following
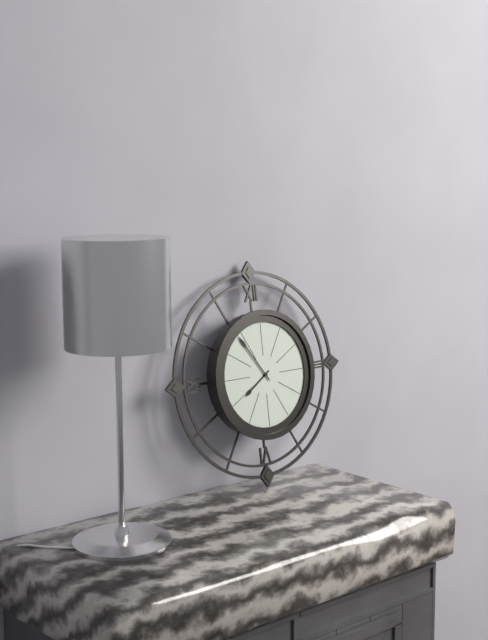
7,54
